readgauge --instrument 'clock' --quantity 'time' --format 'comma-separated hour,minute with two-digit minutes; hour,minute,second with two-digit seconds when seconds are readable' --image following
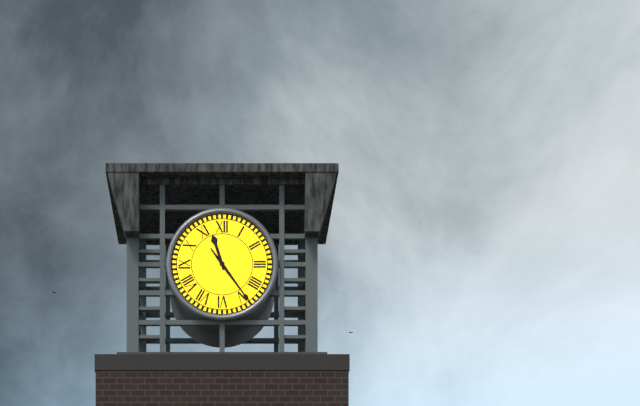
11,24
